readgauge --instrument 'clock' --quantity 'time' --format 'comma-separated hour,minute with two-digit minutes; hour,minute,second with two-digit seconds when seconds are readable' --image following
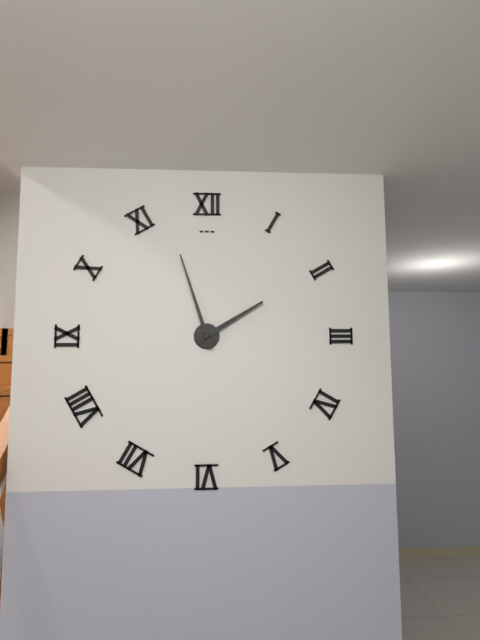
1,57
